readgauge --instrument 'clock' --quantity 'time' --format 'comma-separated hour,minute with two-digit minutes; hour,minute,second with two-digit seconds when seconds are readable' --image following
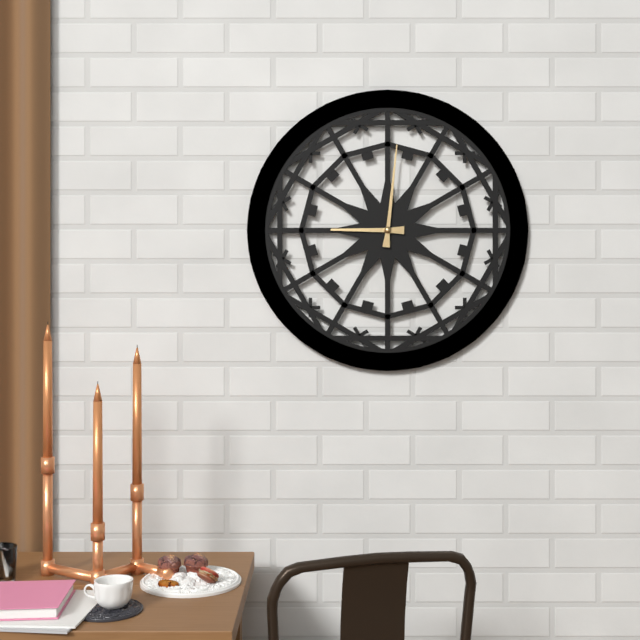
9,01
